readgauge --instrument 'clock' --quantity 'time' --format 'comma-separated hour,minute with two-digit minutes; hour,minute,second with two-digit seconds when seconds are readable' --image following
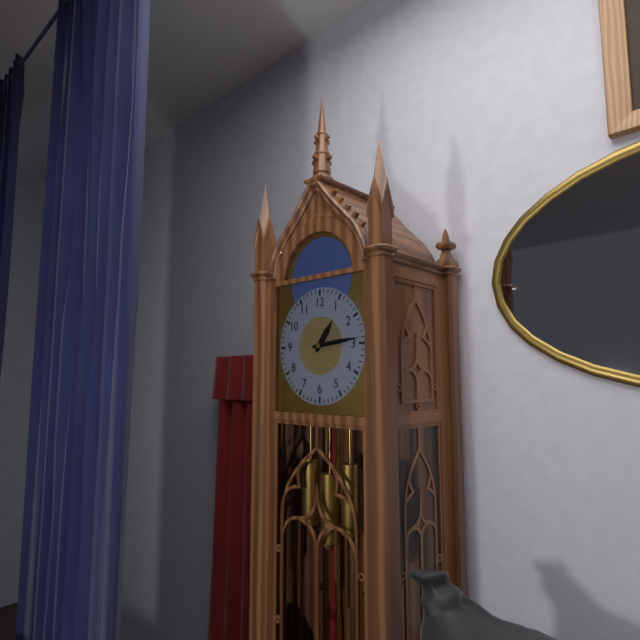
1,14
